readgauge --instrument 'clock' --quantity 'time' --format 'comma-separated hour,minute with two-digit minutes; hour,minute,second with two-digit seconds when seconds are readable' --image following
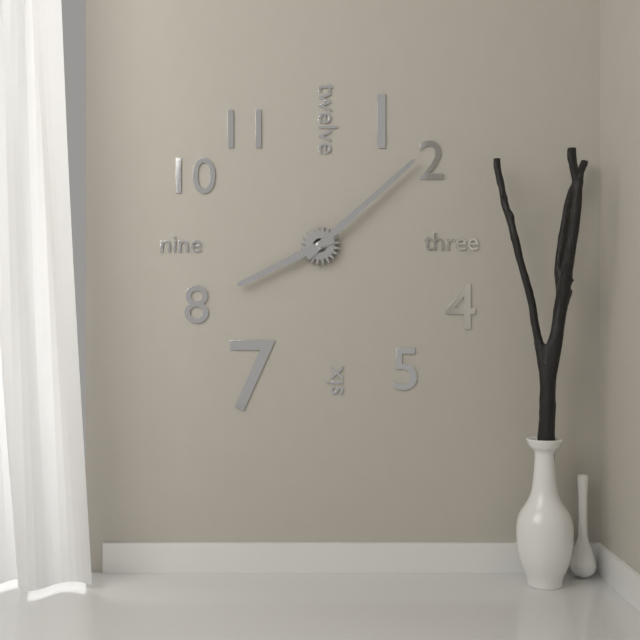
8,08
